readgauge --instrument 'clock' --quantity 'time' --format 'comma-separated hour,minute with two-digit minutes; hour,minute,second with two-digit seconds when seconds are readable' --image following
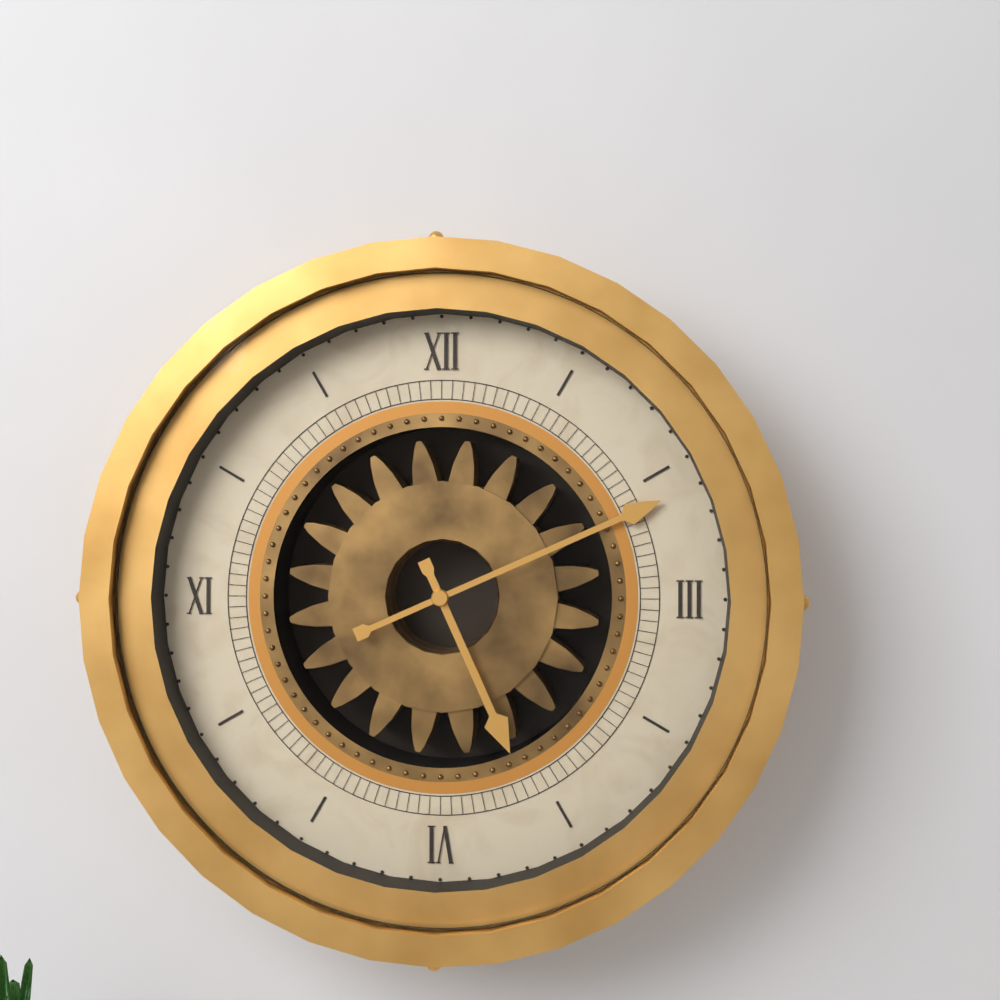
5,11
